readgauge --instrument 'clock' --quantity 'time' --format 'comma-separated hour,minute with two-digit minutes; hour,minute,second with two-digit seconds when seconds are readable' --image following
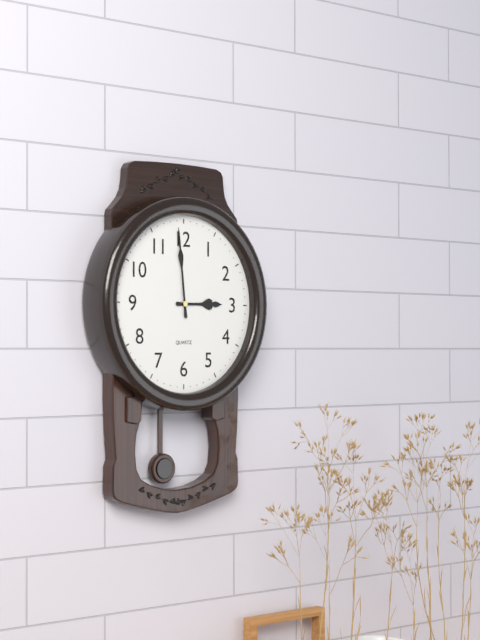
2,59
